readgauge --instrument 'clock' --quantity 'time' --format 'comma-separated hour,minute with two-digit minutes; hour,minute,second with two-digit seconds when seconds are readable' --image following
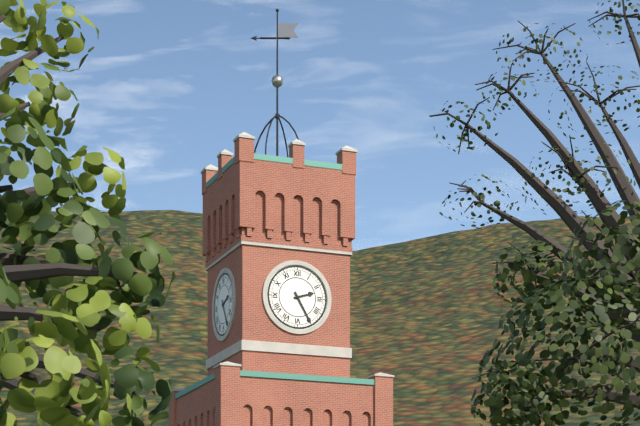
2,25
